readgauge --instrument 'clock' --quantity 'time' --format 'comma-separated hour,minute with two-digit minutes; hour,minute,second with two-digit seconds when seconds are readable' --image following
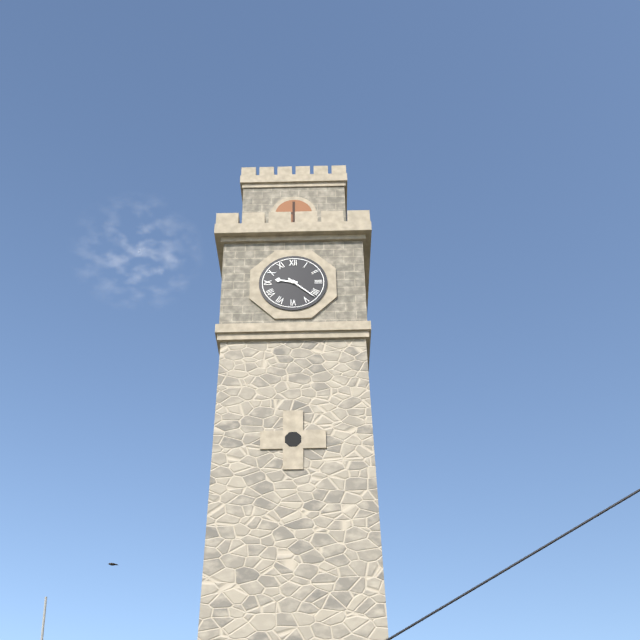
9,22
